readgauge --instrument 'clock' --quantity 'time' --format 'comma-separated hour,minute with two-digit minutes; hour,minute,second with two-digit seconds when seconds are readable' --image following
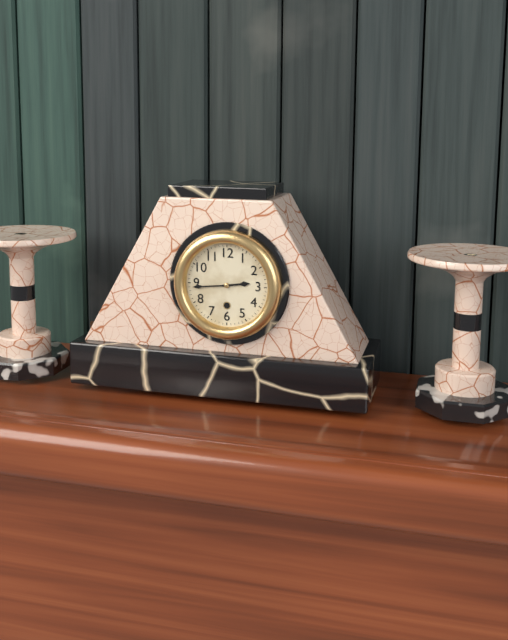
2,44
